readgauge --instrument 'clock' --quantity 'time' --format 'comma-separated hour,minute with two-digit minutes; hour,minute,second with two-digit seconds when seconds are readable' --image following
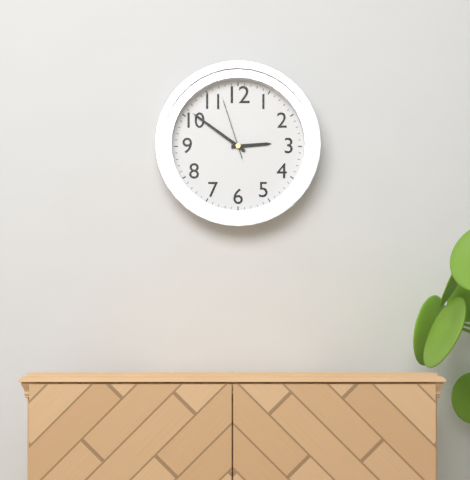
2,51,57
